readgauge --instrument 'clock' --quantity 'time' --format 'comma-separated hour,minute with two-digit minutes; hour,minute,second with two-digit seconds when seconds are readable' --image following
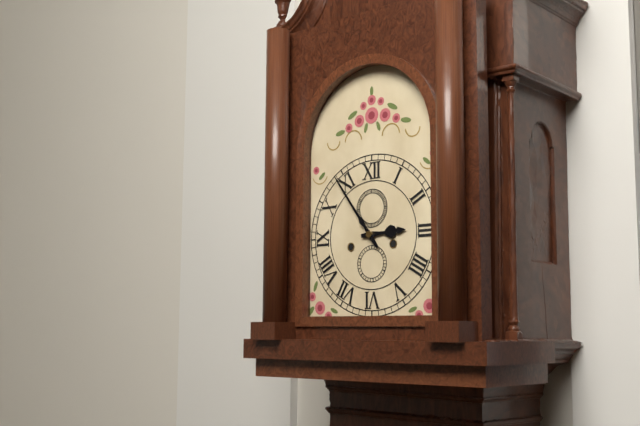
2,54
